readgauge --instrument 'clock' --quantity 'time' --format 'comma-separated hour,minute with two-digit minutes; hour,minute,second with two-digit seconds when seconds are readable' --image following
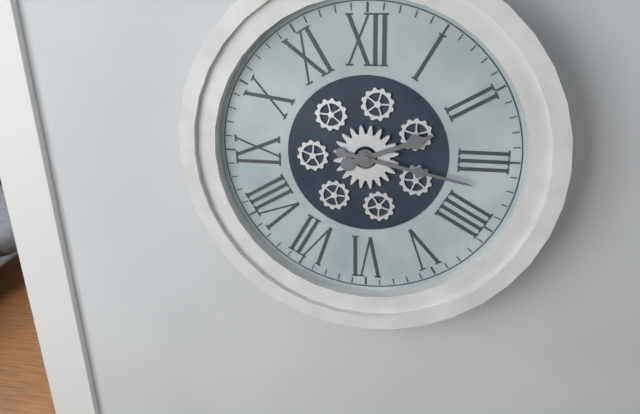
2,17
